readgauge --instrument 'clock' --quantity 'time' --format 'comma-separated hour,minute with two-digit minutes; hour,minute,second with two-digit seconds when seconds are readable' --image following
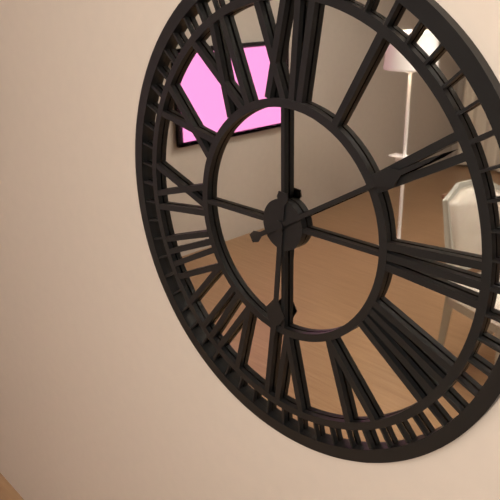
6,10
